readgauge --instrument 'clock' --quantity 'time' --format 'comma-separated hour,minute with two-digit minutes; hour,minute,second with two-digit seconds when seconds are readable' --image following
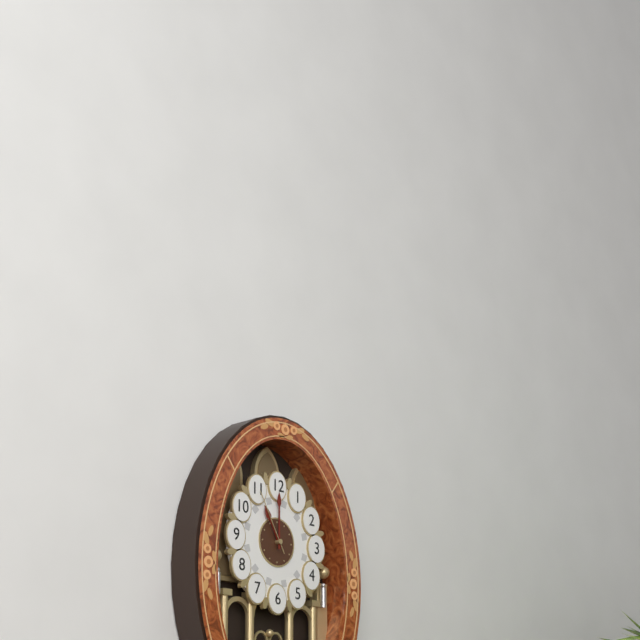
11,00,55
